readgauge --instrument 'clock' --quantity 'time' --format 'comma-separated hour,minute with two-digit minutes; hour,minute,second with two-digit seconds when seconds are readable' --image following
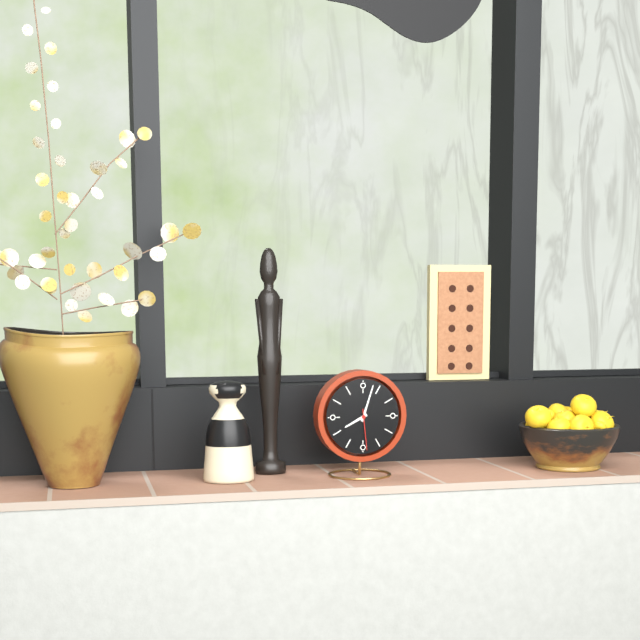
8,03
